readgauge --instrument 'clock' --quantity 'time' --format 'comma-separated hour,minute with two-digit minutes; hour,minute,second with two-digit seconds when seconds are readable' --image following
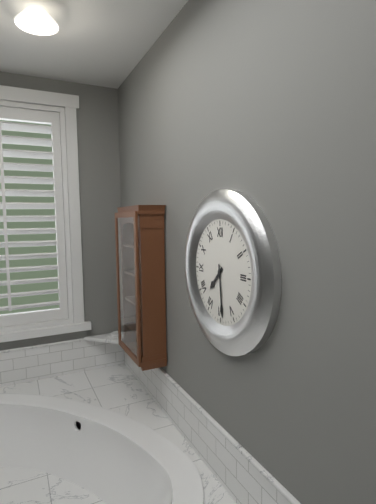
7,29
